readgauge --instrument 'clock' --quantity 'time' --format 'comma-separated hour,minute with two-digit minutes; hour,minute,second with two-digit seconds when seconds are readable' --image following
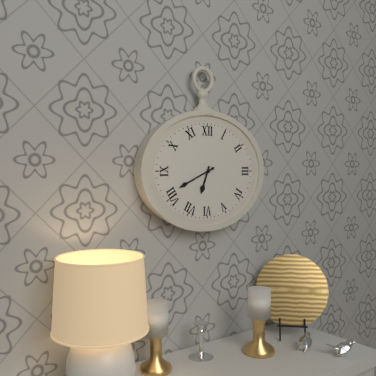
6,41
